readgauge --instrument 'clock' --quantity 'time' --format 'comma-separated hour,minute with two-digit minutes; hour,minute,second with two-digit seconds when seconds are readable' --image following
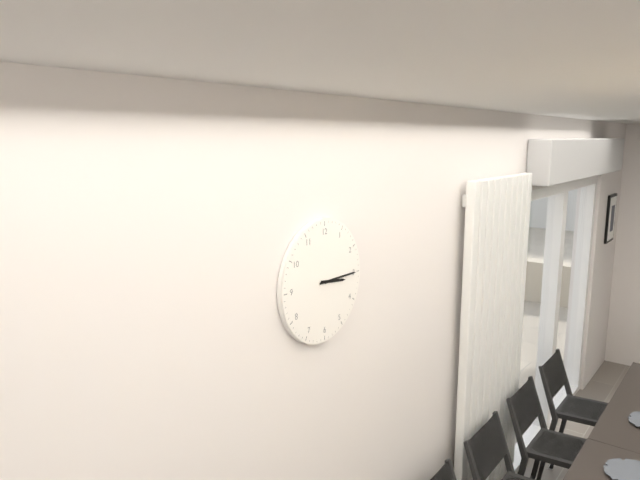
3,15
